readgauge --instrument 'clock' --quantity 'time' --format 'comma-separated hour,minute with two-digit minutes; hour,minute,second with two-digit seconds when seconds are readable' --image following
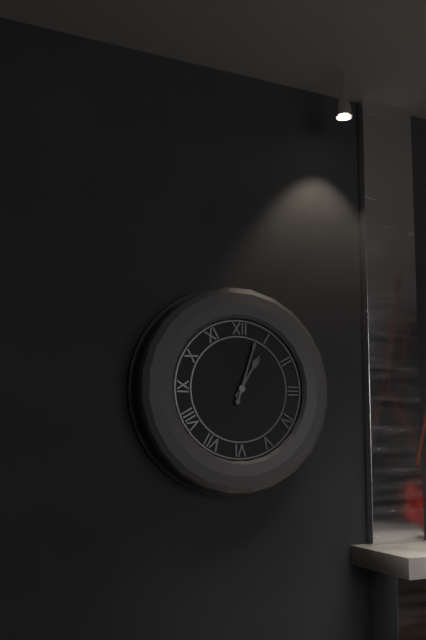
1,03
